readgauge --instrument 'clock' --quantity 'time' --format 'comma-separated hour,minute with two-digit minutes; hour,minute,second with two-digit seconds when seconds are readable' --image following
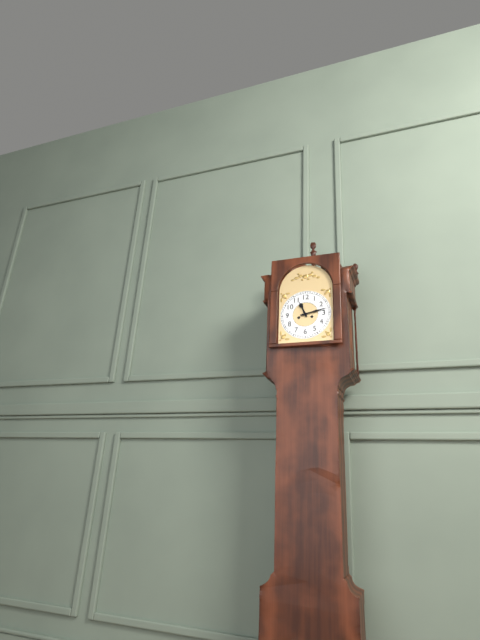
11,13
